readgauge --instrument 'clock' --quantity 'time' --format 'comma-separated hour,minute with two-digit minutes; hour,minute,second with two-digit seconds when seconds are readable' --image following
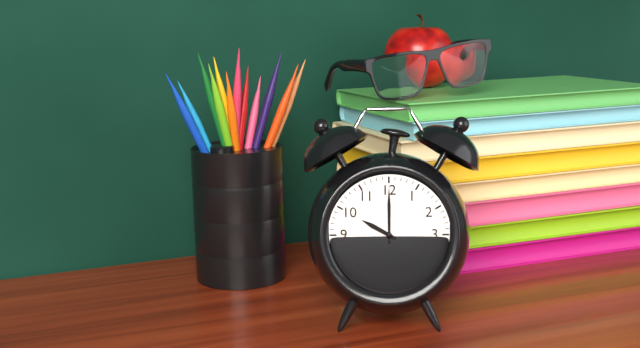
10,00
